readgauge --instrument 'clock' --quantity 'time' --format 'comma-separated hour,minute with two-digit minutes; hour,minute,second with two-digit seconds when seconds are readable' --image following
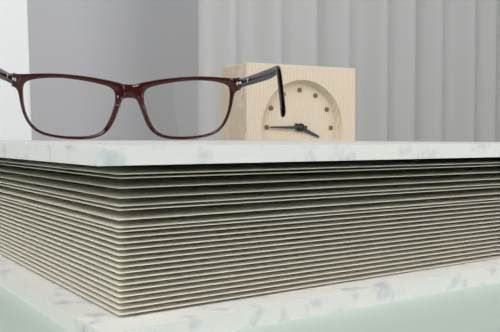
3,45
